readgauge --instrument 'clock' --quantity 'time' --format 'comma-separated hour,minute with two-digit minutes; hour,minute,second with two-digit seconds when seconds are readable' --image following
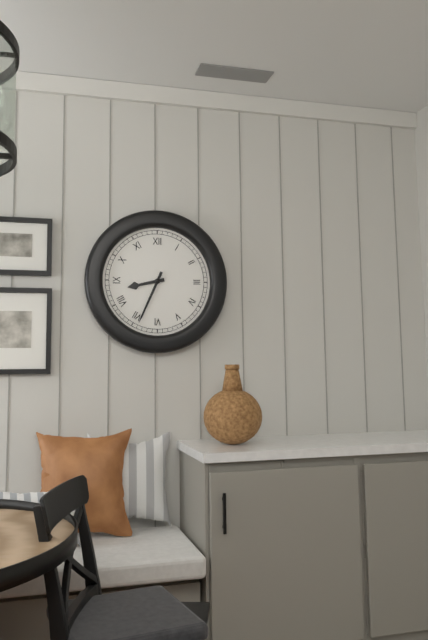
8,34
